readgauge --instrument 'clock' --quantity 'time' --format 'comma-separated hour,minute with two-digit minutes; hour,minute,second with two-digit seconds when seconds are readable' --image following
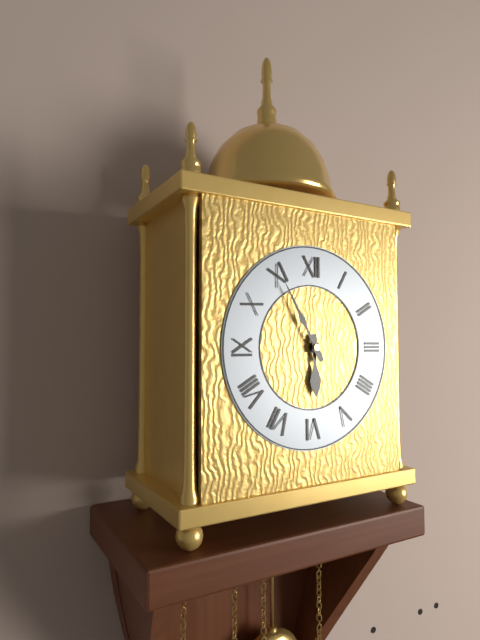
5,55
